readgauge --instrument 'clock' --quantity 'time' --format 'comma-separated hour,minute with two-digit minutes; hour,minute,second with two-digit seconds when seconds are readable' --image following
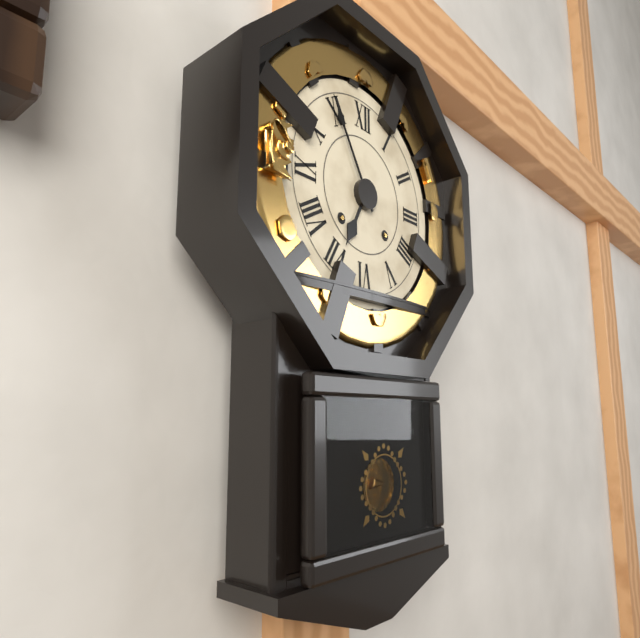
6,55
